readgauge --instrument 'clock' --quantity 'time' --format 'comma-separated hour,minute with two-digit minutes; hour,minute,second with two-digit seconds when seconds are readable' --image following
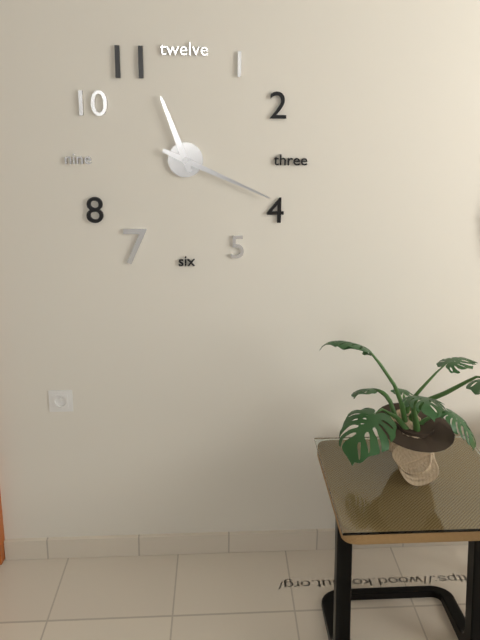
11,19
